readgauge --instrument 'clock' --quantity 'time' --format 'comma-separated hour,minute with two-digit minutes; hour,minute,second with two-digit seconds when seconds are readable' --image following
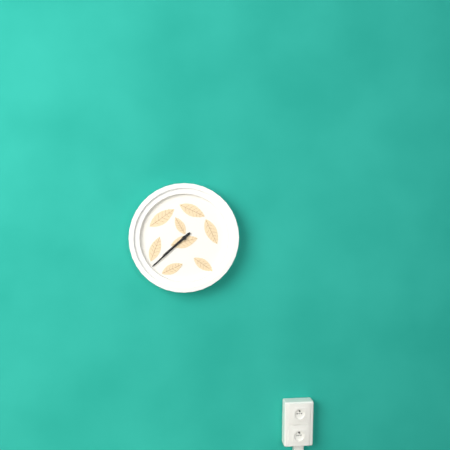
7,38
